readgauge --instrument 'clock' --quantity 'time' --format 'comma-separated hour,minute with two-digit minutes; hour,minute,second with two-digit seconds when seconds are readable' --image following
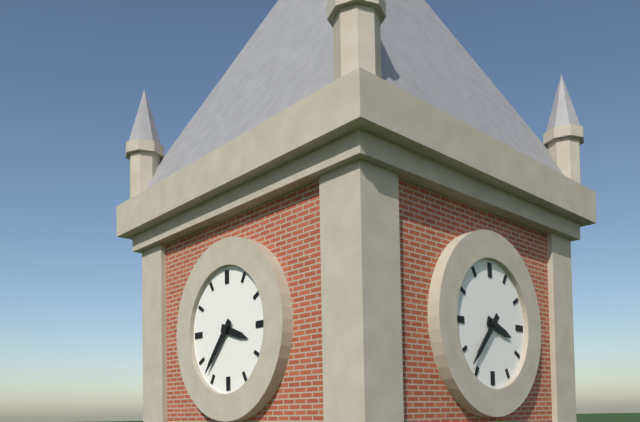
3,37
